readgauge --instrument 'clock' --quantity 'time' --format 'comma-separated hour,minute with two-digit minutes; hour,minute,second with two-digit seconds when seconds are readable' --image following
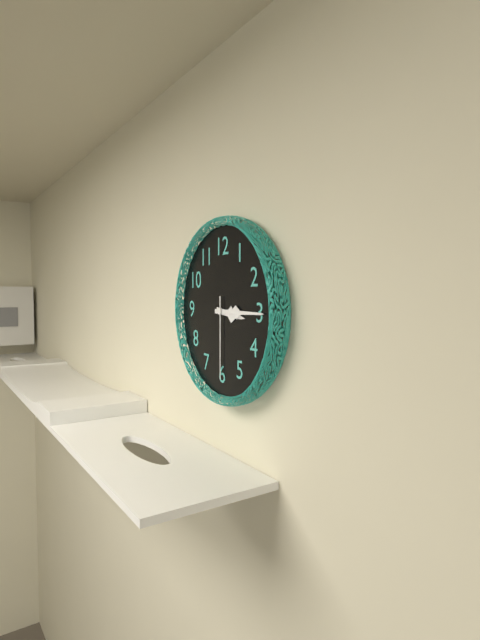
3,15,30
